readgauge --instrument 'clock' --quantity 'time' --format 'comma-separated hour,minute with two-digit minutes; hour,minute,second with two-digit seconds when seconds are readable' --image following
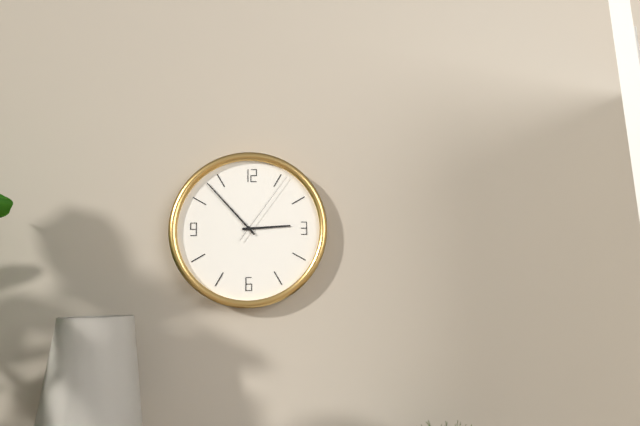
2,53,06
